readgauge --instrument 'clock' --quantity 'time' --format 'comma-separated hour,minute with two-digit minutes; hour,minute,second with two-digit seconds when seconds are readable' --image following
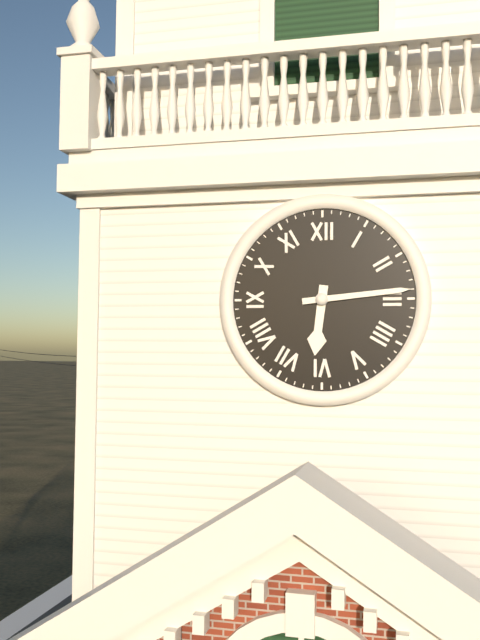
6,14
